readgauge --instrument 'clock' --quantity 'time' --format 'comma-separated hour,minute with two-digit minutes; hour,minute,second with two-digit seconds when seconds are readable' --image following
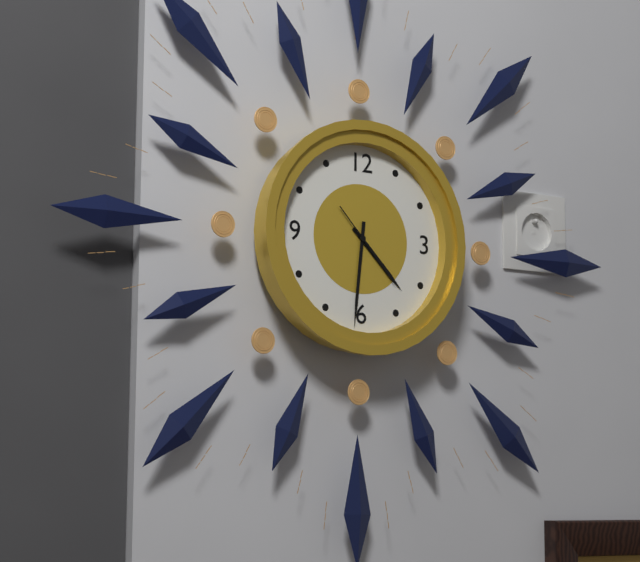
4,31,23
